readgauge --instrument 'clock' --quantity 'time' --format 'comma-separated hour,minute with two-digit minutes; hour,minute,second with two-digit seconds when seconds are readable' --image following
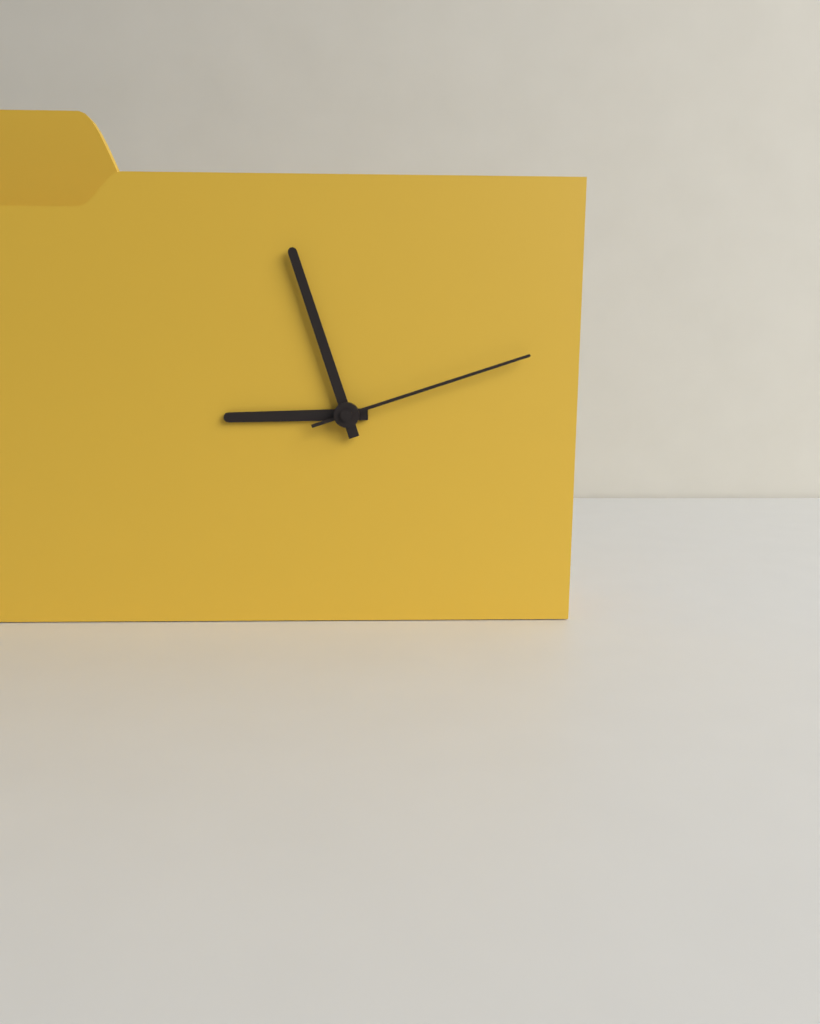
8,57,12
